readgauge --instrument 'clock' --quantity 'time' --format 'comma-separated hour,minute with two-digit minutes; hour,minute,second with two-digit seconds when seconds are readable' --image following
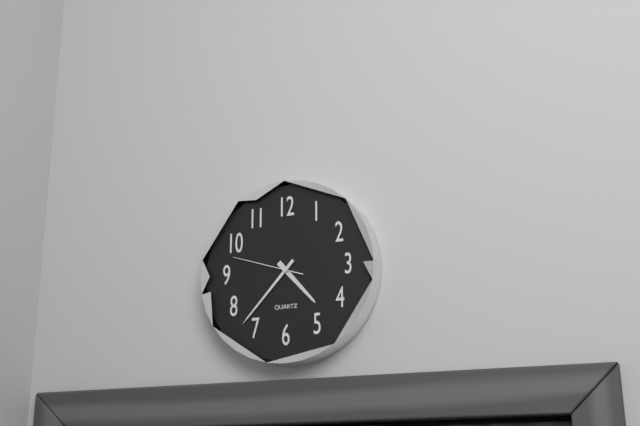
4,37,48
